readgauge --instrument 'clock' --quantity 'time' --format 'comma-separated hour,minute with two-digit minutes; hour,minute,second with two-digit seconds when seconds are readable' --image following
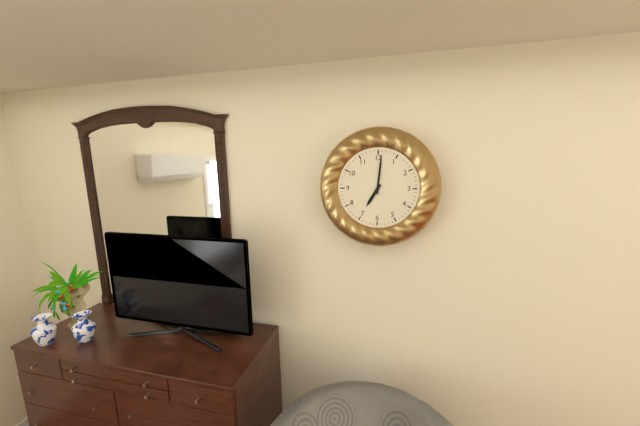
7,01
